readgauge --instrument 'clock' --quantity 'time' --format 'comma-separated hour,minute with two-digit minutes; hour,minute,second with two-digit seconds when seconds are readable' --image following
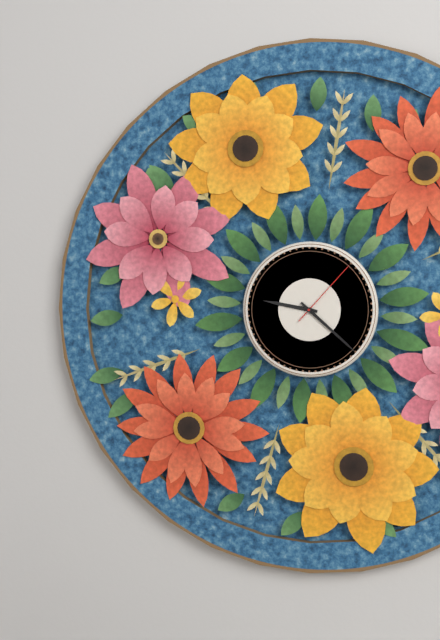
9,22,07
